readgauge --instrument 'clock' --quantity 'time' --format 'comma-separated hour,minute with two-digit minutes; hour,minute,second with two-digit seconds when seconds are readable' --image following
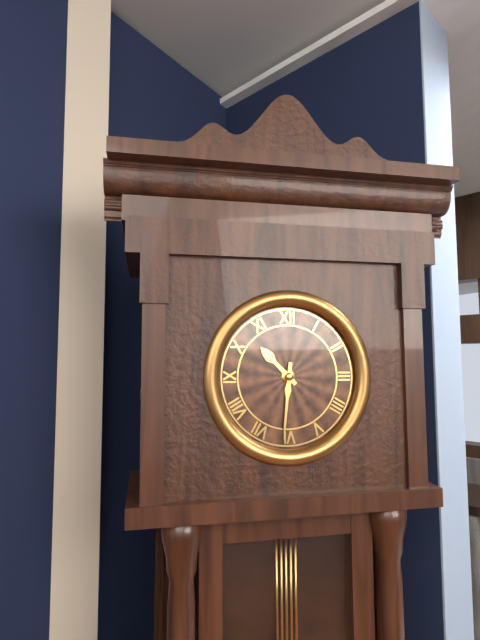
10,31
